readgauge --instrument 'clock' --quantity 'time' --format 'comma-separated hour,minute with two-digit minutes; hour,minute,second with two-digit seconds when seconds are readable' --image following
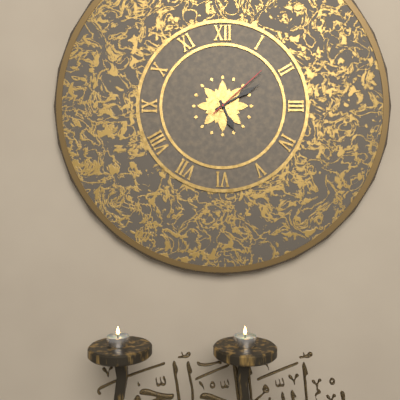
5,10,08
